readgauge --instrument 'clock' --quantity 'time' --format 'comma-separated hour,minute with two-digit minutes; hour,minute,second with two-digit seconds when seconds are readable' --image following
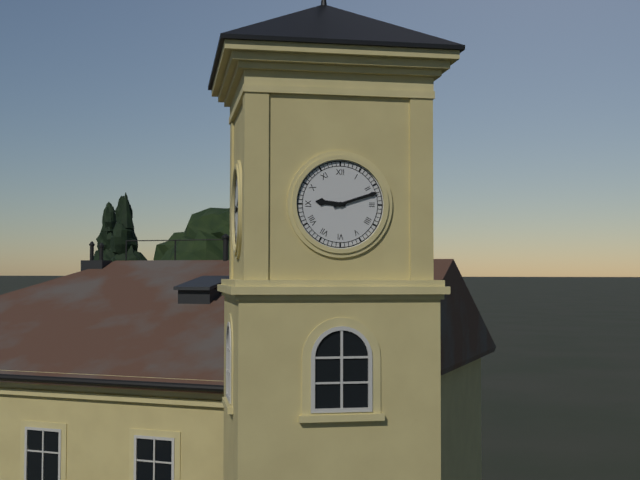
9,12
